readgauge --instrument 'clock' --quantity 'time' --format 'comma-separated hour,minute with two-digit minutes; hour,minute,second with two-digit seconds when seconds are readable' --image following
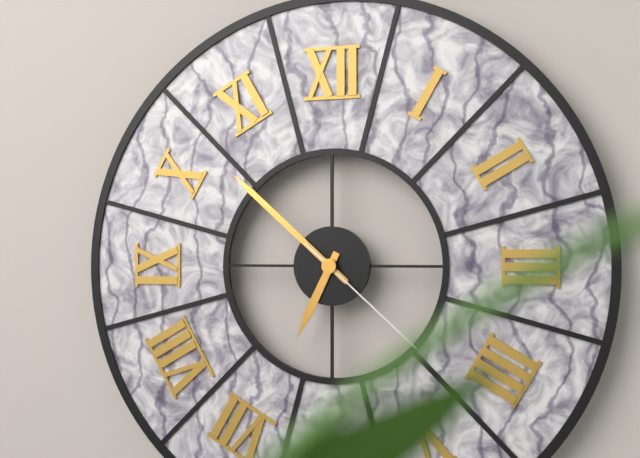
6,52,22
